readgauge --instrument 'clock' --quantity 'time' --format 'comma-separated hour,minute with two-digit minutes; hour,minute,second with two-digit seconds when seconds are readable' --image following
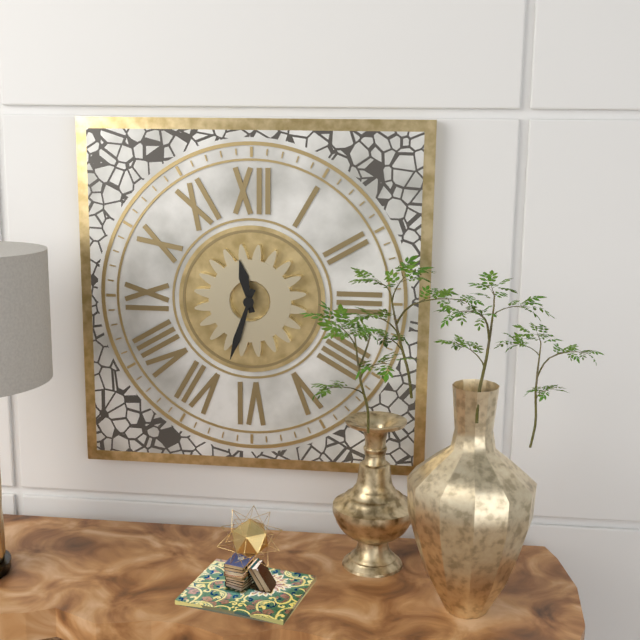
11,33
